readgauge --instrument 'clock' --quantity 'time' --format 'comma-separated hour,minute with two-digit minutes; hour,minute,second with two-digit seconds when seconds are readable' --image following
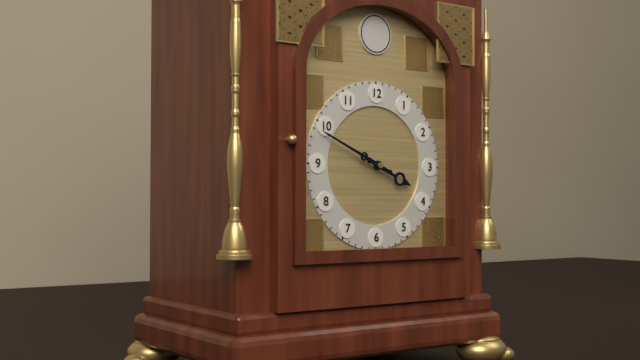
3,49
